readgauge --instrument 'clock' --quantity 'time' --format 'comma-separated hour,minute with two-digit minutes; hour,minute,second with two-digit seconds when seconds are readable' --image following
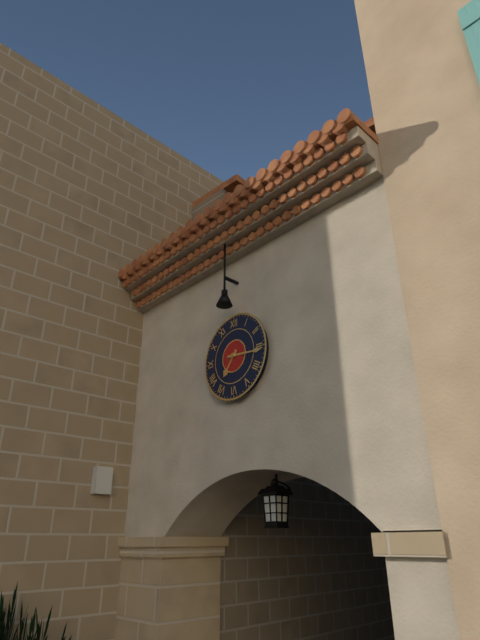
7,16
